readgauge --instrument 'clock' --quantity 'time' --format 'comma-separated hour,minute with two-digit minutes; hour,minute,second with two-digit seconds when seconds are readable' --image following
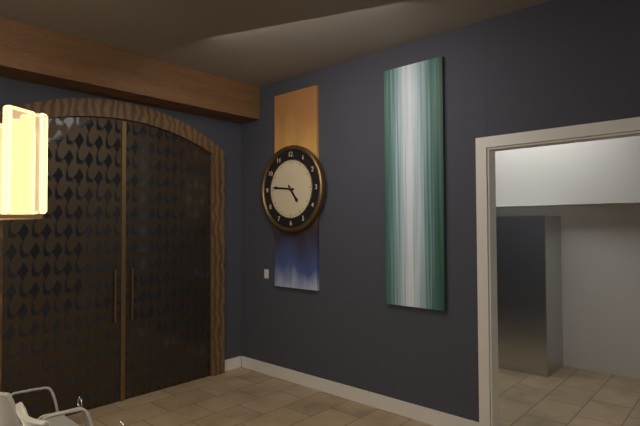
4,46
